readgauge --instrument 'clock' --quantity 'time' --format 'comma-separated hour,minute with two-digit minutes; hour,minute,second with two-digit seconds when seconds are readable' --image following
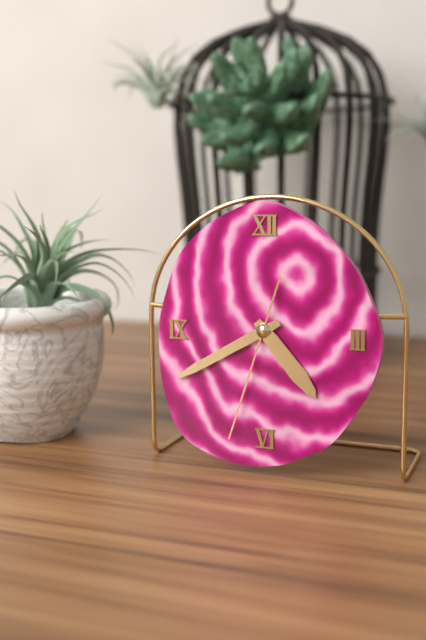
4,40,33
